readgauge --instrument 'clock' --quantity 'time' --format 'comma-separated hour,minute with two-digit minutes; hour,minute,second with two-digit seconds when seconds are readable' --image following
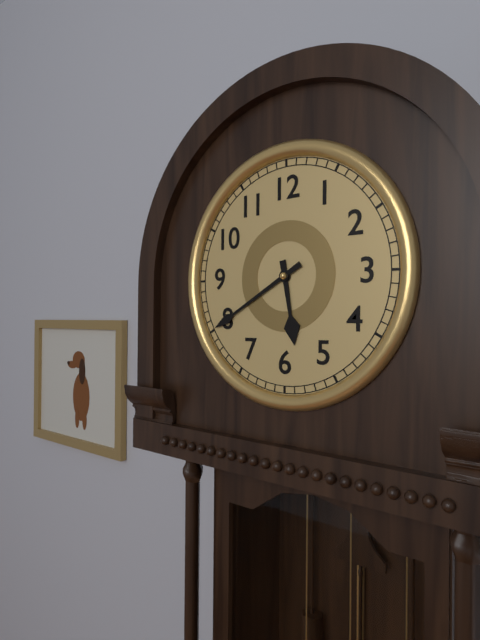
5,40
